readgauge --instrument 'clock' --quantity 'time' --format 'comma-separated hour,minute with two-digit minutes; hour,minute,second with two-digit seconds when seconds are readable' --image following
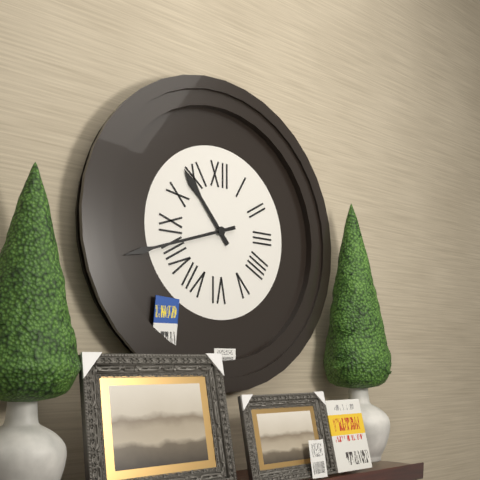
10,42
